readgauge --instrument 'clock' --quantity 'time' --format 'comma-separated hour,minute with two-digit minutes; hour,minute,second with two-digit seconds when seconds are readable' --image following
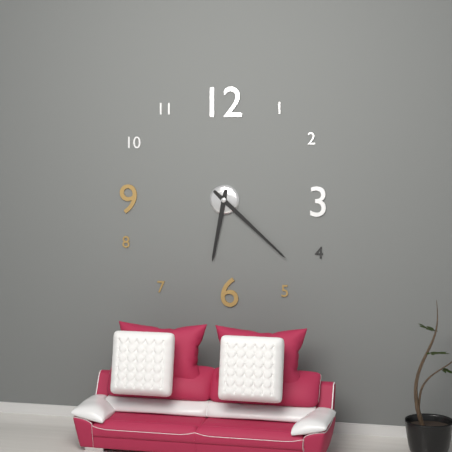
6,22
